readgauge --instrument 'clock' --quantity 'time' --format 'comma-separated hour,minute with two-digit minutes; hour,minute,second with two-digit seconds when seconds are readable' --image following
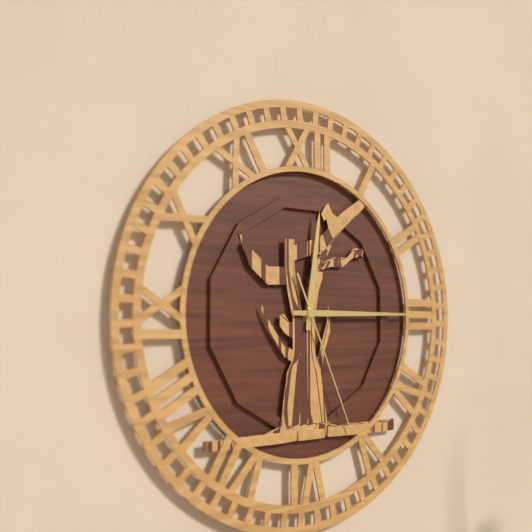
12,15,26
